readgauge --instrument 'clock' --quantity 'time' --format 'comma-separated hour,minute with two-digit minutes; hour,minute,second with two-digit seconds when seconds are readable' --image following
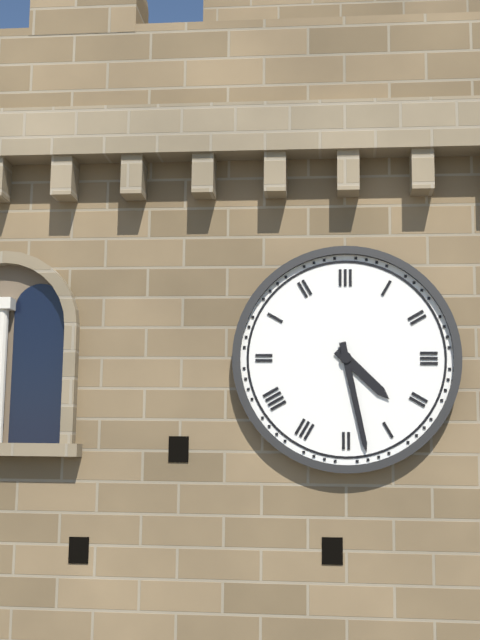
4,28
